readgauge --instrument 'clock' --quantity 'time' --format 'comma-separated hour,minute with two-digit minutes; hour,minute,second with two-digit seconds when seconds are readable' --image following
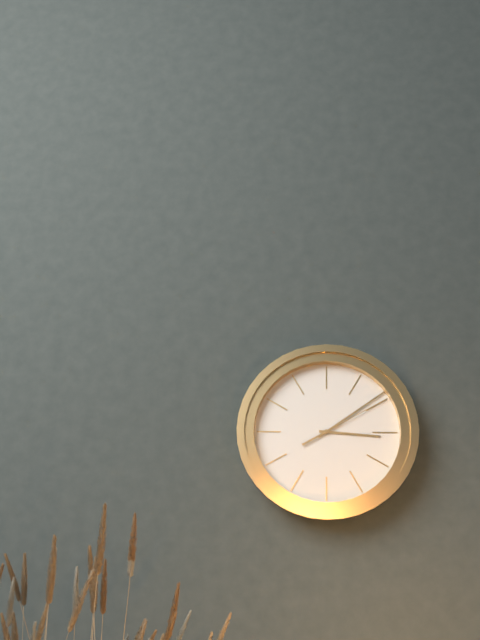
3,09,10
